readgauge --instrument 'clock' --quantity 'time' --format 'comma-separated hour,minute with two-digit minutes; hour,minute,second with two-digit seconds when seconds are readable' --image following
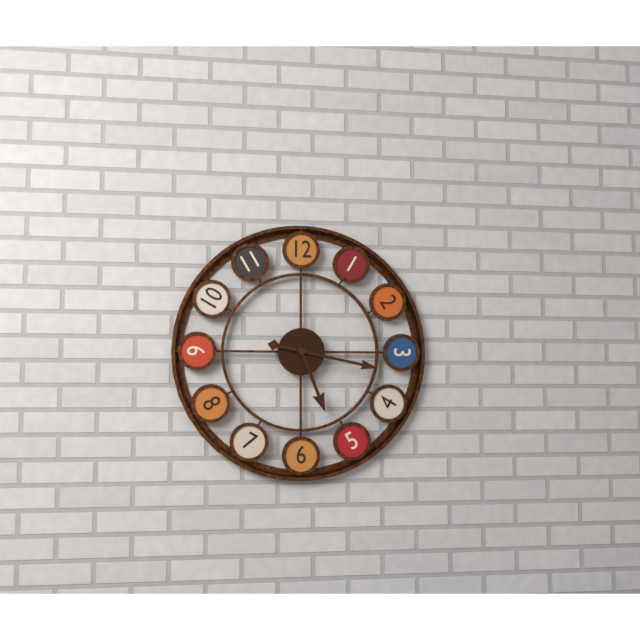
5,17
